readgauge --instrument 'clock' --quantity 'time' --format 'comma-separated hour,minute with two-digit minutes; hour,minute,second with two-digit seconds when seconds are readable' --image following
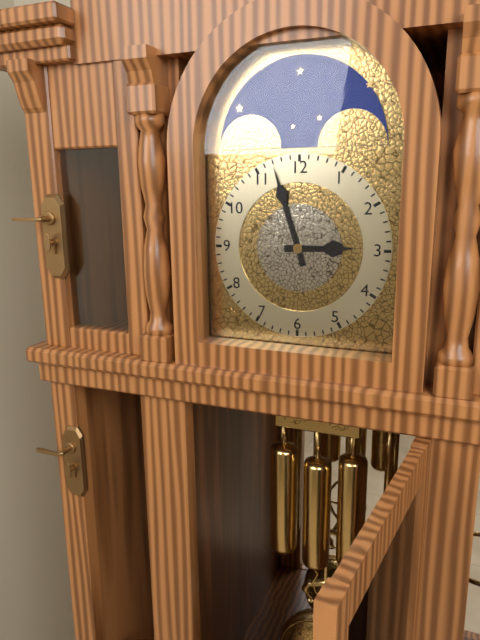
2,57
